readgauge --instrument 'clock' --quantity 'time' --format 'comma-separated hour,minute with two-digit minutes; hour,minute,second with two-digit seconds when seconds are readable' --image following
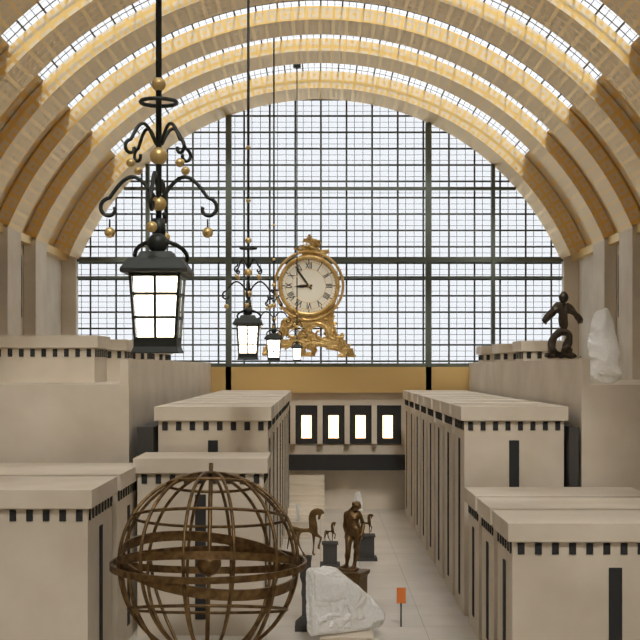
8,54
